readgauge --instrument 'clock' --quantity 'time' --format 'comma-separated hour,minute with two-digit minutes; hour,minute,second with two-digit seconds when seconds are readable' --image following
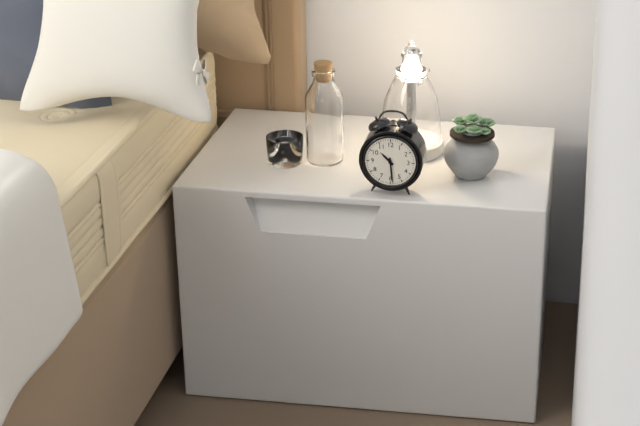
10,29
